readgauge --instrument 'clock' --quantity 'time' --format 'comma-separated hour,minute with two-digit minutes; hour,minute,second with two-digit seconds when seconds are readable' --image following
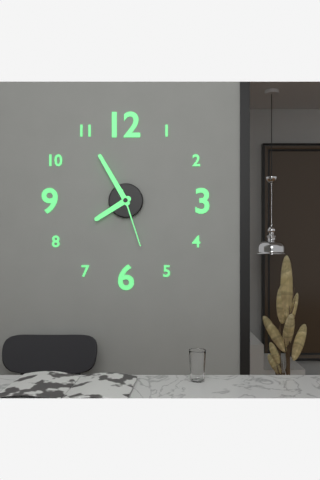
7,55,27
